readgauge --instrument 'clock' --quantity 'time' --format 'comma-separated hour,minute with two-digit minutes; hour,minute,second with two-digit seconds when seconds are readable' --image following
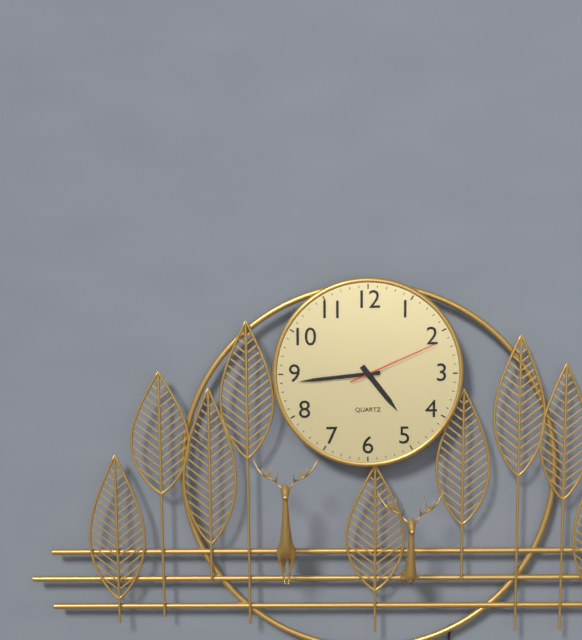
4,44,11
